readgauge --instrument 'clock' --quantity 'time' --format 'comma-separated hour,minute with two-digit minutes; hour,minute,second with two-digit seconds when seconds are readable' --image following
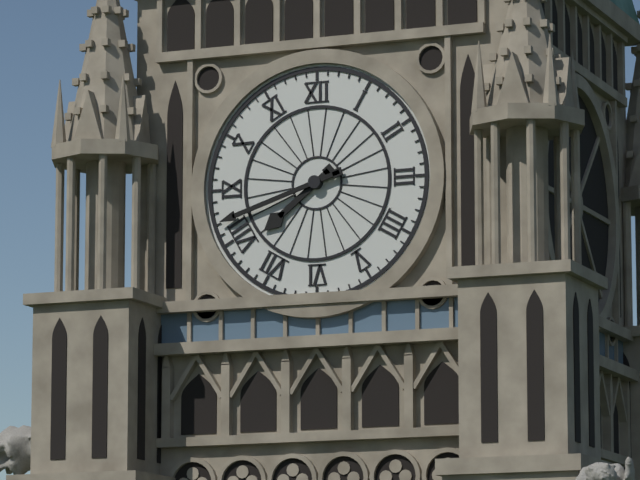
7,42
